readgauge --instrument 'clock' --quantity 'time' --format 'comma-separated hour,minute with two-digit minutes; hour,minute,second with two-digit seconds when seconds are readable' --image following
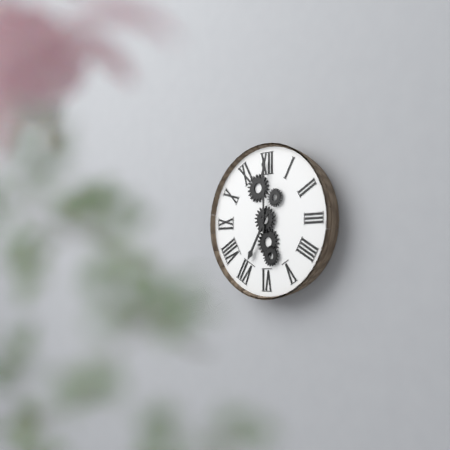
7,00
